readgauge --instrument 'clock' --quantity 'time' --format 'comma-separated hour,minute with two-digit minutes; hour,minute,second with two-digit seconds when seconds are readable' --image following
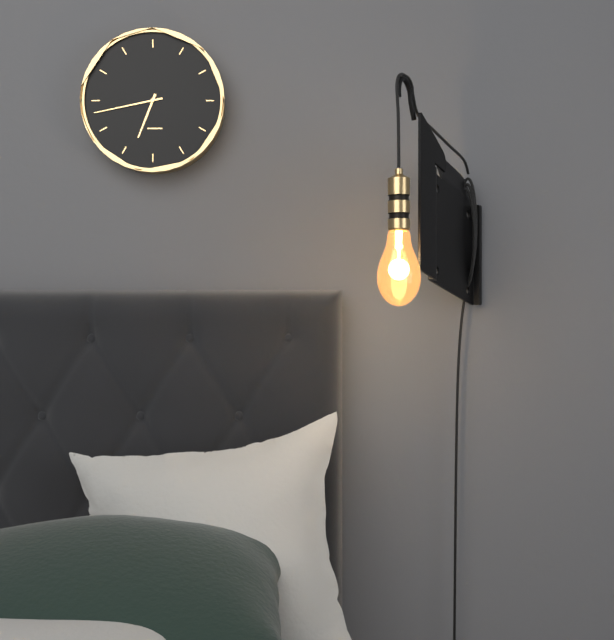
6,43
